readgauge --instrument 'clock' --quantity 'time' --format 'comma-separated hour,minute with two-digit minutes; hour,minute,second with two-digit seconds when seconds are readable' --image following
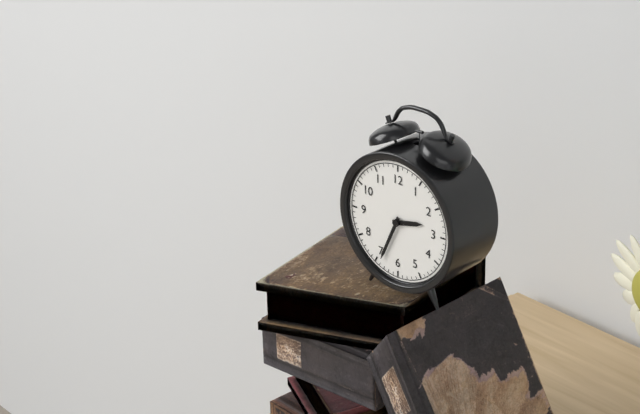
2,34
